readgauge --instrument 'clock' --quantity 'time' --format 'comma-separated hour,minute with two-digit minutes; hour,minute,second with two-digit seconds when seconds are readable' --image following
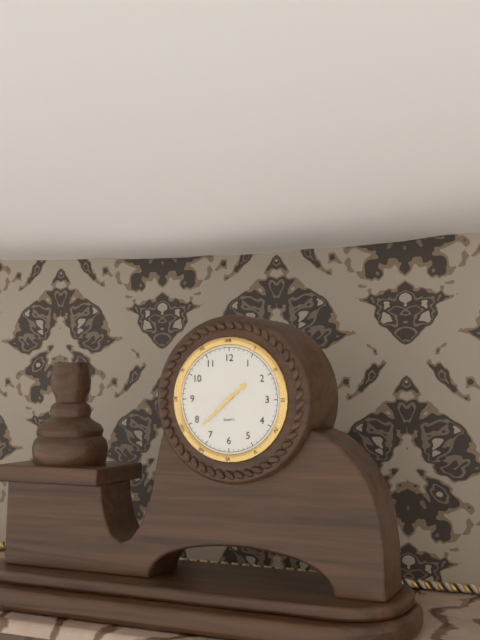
1,38
